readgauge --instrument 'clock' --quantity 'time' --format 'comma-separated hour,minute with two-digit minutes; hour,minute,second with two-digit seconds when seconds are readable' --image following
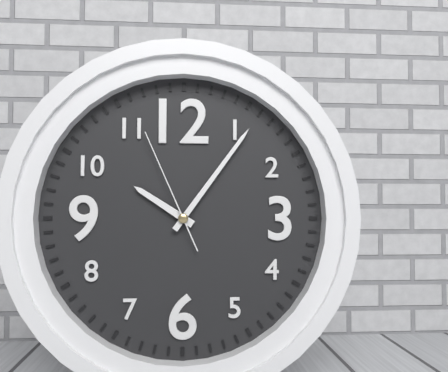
10,06,56
